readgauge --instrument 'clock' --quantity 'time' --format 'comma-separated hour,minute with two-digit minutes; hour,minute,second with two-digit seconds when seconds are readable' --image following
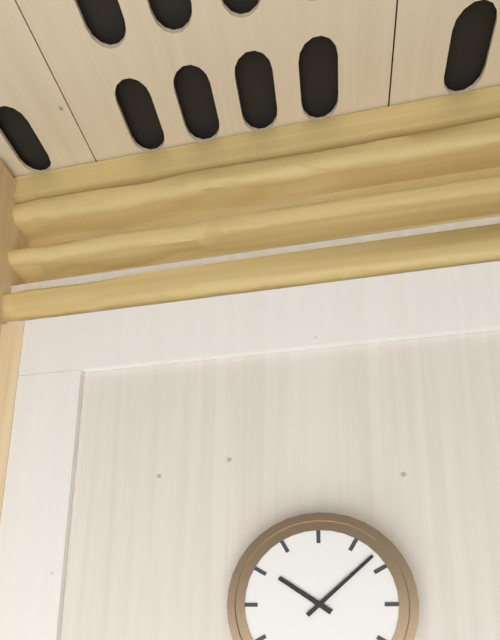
10,08
